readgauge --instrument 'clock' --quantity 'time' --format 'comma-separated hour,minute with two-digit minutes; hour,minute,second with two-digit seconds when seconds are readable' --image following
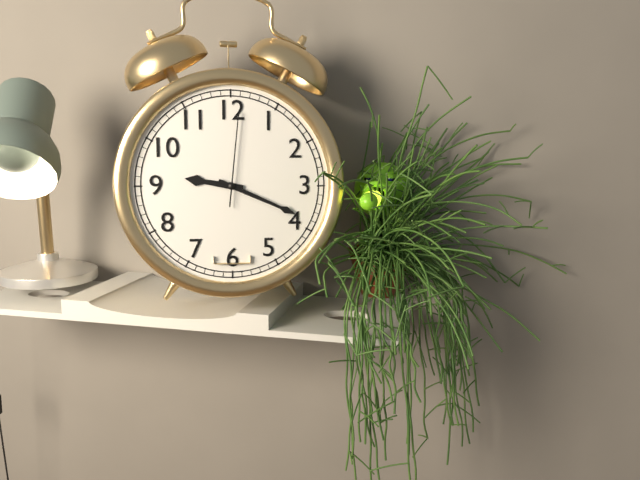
9,19,01
